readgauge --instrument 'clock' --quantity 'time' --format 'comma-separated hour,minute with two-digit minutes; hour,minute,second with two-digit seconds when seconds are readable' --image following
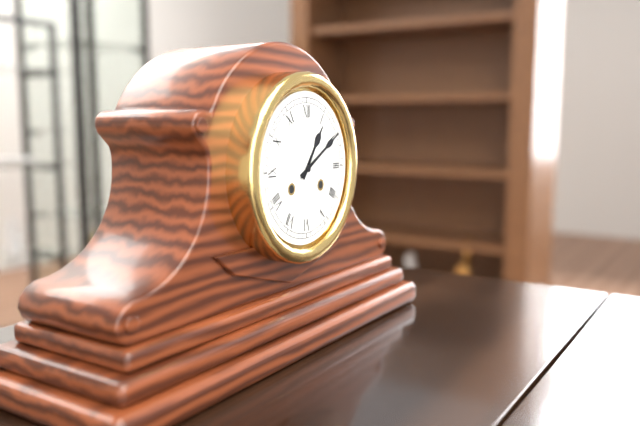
1,10
